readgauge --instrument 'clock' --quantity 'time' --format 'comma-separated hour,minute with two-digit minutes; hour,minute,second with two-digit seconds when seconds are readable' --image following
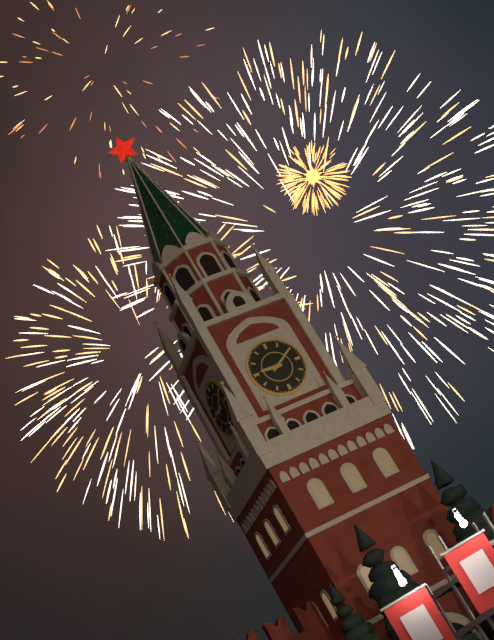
9,10
